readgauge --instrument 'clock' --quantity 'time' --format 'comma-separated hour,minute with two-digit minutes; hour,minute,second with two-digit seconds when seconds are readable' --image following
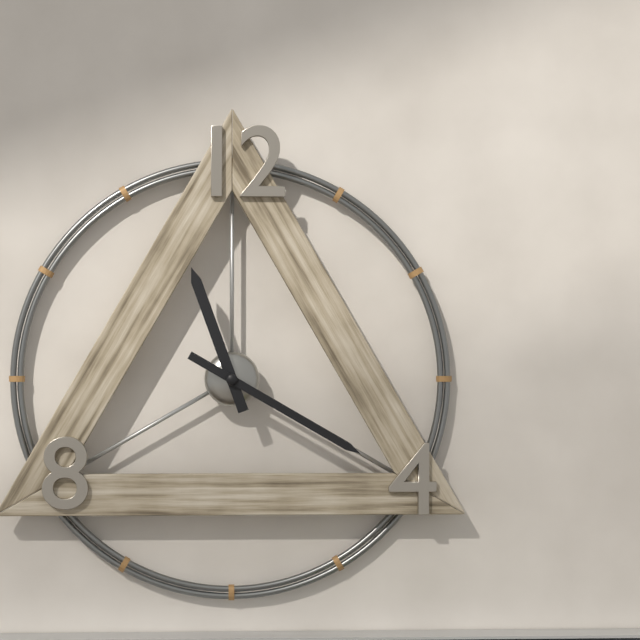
11,20
